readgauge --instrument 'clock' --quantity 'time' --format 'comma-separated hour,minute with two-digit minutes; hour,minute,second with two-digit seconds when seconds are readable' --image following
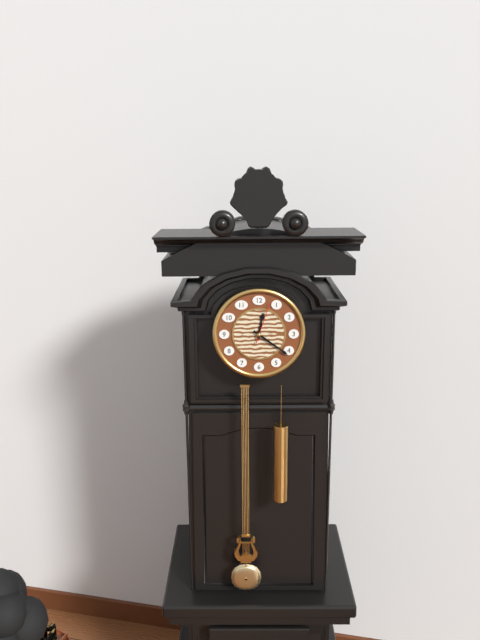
12,21
